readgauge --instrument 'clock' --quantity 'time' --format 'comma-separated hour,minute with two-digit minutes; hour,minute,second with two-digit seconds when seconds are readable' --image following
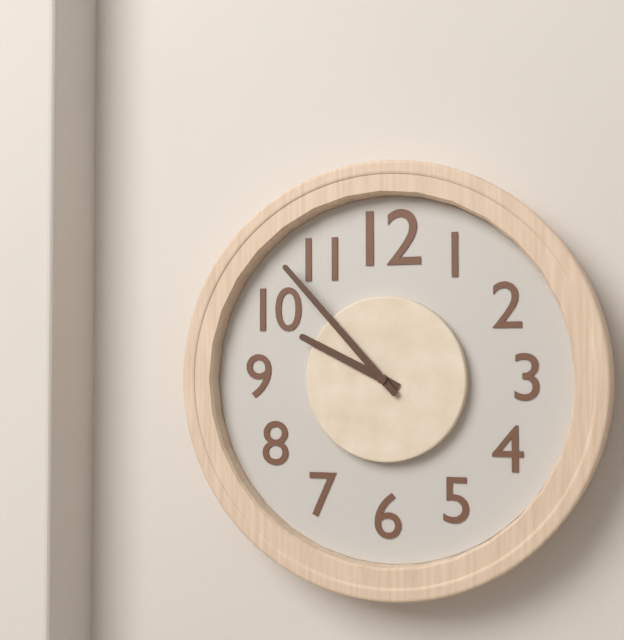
9,53
